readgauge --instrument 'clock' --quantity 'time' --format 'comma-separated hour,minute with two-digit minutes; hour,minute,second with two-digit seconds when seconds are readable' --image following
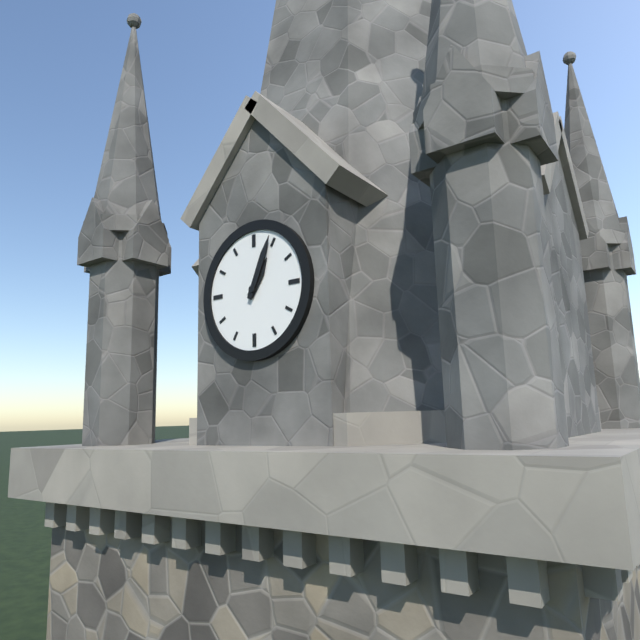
1,04
